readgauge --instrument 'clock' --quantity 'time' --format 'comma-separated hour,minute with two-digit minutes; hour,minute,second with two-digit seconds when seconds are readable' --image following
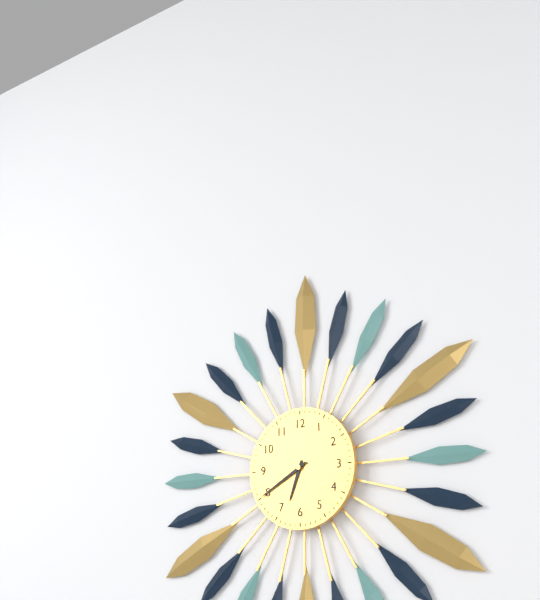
6,40
